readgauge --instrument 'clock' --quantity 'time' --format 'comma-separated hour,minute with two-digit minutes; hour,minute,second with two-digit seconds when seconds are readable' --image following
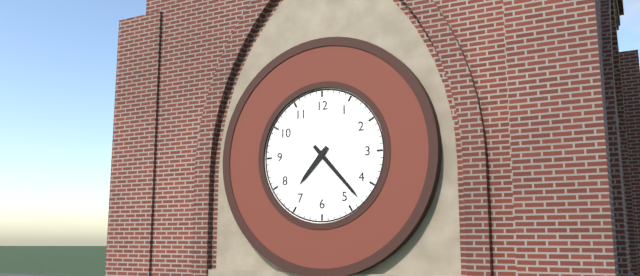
7,23
